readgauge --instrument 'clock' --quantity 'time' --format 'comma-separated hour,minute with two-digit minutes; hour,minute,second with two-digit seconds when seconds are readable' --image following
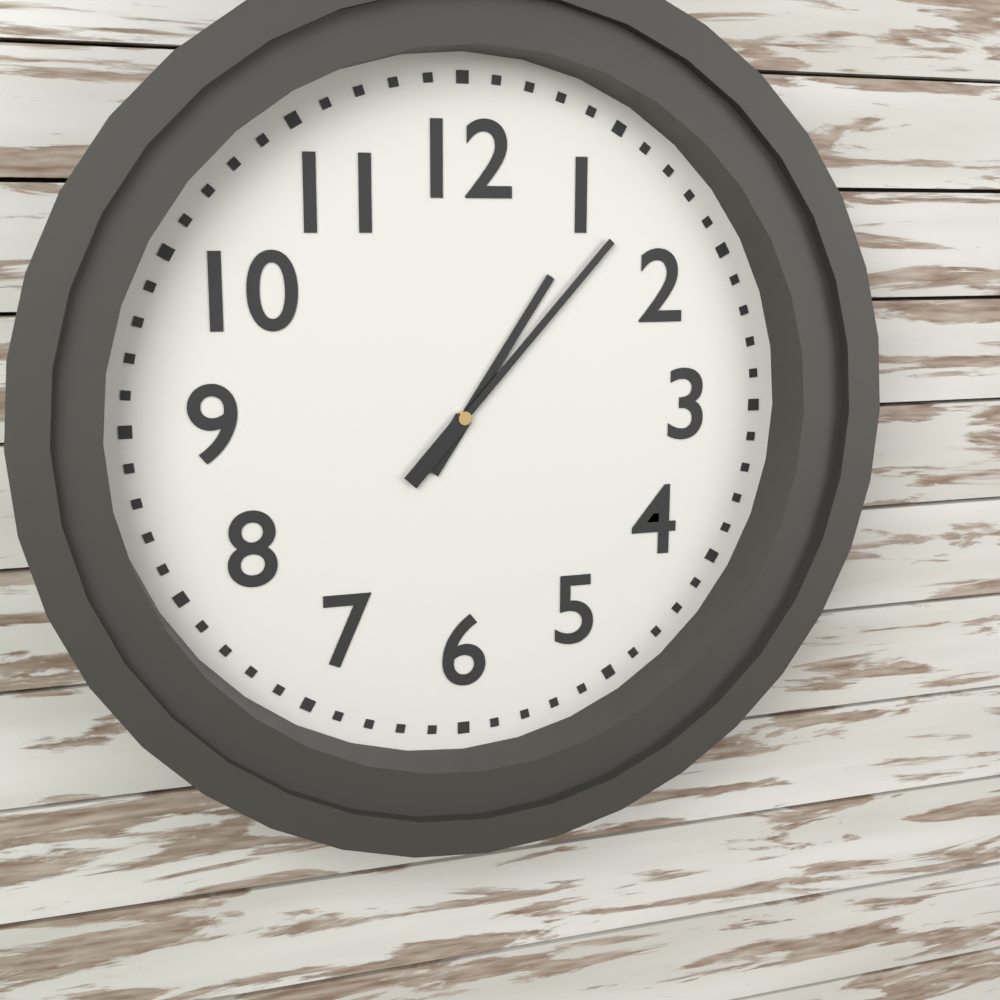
1,07
